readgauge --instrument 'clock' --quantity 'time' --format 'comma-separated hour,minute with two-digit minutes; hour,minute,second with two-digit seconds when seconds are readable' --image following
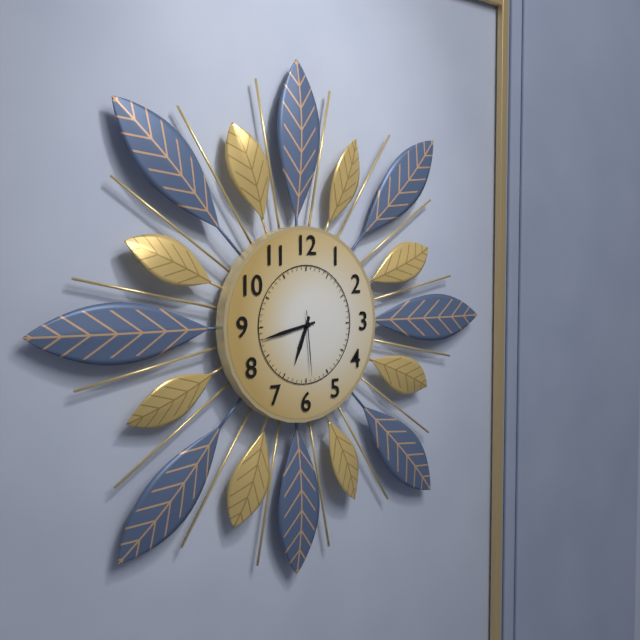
6,43,29
